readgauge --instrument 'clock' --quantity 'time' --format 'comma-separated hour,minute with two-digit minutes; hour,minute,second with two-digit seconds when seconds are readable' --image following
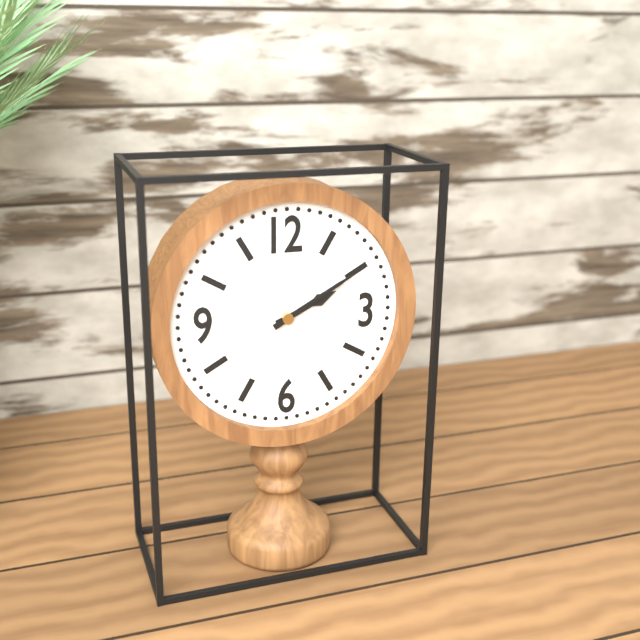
2,10
